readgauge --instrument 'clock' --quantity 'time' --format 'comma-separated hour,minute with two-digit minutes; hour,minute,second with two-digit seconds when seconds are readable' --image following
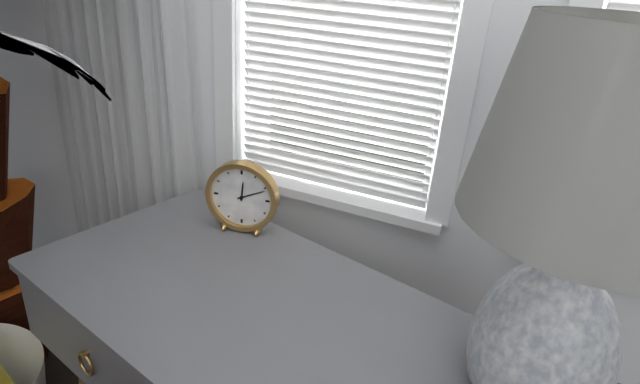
12,11
